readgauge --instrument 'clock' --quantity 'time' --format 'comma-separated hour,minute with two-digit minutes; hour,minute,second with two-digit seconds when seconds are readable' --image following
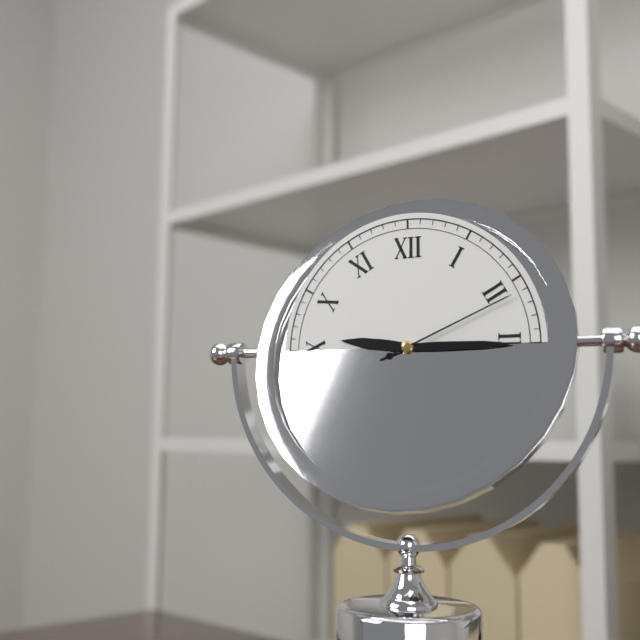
9,15,11
